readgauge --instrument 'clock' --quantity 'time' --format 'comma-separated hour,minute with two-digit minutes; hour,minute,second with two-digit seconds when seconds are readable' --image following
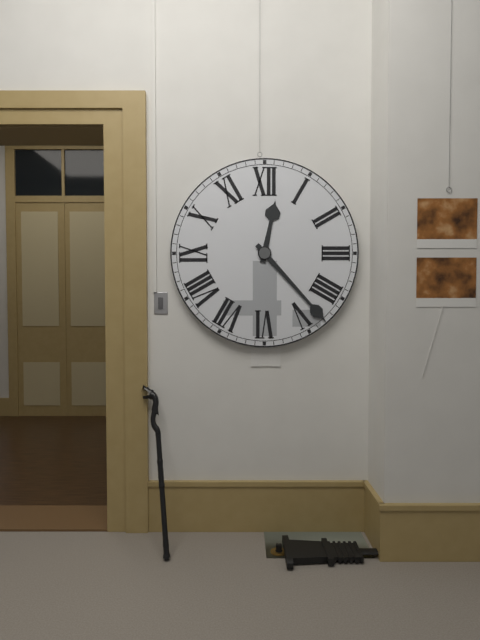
12,23
